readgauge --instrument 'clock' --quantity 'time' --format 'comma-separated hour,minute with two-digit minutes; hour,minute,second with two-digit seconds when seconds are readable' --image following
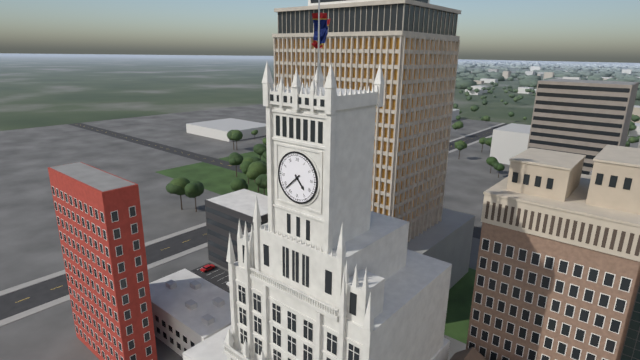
4,38
